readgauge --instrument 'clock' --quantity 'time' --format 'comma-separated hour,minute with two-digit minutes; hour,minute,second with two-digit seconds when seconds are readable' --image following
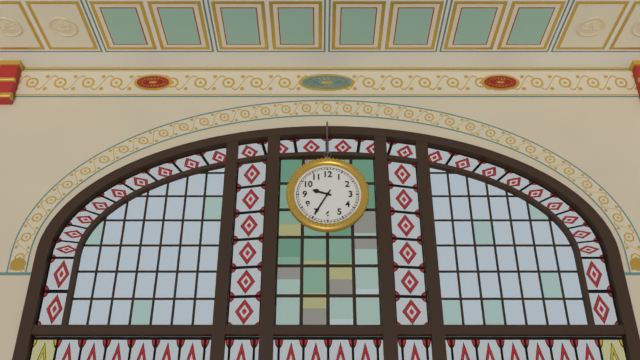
9,35
